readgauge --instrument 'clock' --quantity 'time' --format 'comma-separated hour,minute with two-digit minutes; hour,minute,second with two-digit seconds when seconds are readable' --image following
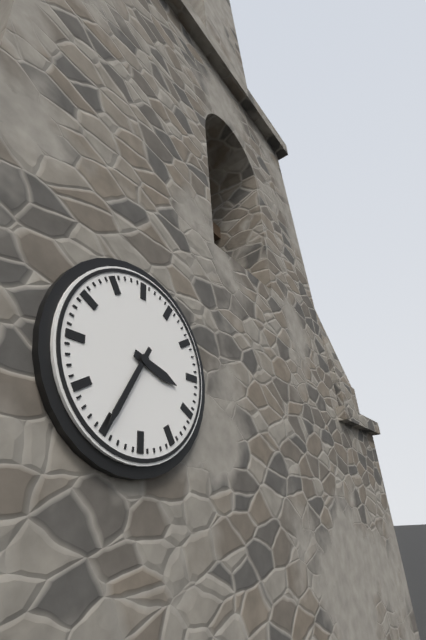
3,35
